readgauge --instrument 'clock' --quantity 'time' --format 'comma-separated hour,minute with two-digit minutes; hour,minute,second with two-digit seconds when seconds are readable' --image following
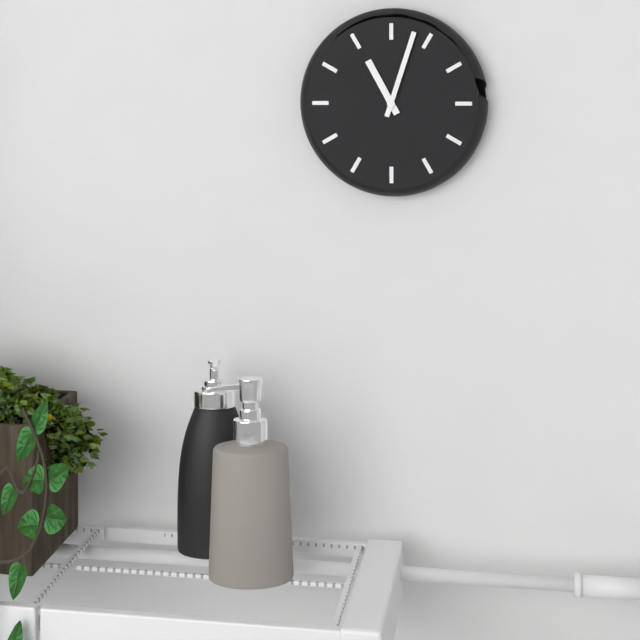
11,03
